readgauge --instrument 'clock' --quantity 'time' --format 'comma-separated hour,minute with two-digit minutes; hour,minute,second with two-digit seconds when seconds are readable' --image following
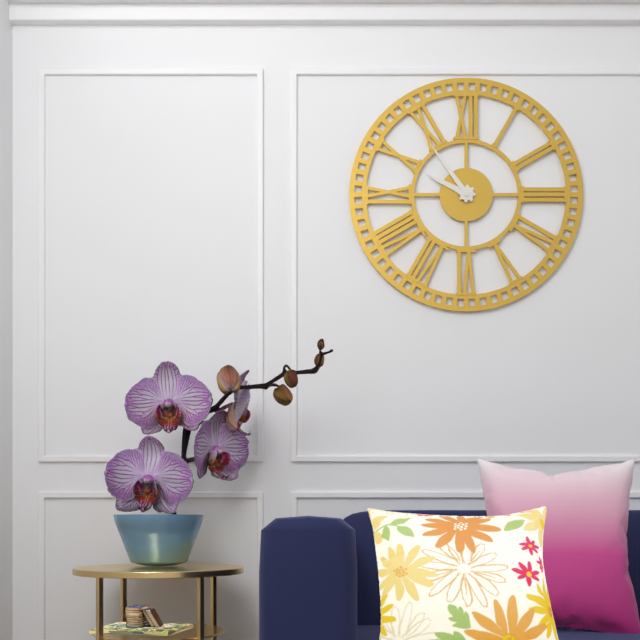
9,54
